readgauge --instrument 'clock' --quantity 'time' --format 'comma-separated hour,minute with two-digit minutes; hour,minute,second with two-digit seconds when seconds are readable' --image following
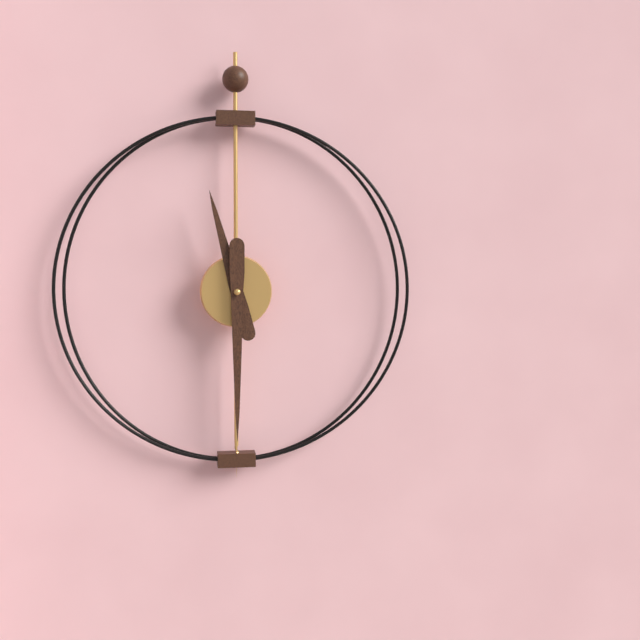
11,30
